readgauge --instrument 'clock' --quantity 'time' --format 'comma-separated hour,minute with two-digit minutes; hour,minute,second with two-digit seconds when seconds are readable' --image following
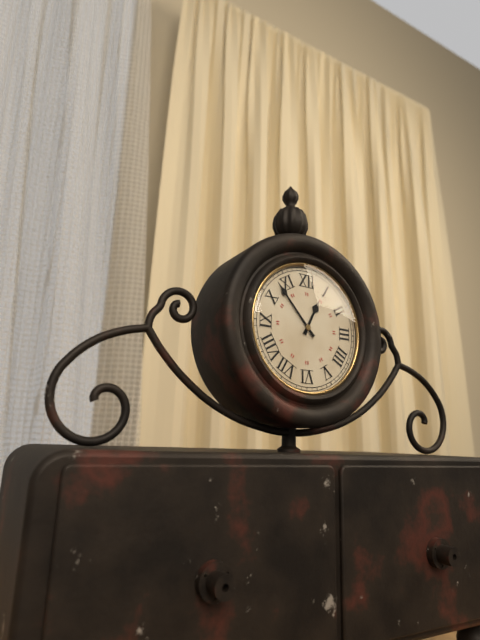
12,53
